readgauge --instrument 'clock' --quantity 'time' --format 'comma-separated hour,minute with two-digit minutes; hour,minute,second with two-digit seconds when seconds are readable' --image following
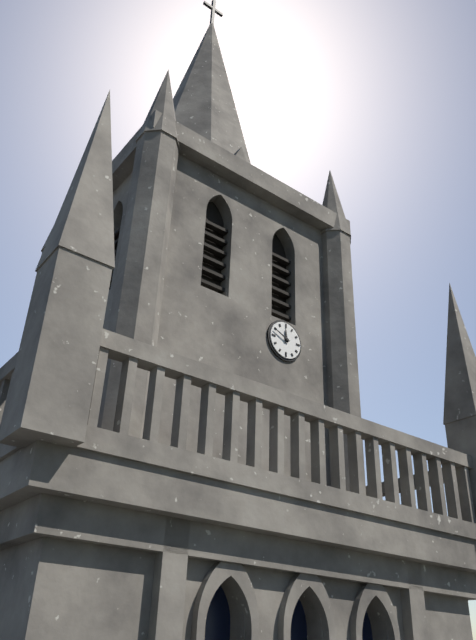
11,49
